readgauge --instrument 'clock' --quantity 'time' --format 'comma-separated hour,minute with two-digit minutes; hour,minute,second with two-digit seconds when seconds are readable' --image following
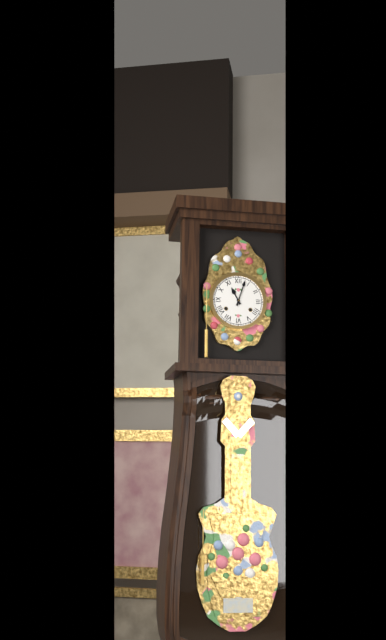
11,03
